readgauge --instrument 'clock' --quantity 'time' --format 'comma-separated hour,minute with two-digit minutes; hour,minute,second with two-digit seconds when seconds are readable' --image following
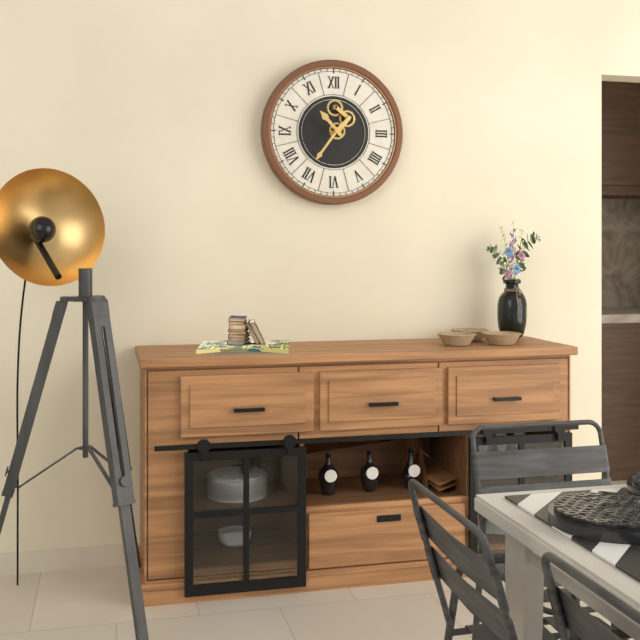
10,36
